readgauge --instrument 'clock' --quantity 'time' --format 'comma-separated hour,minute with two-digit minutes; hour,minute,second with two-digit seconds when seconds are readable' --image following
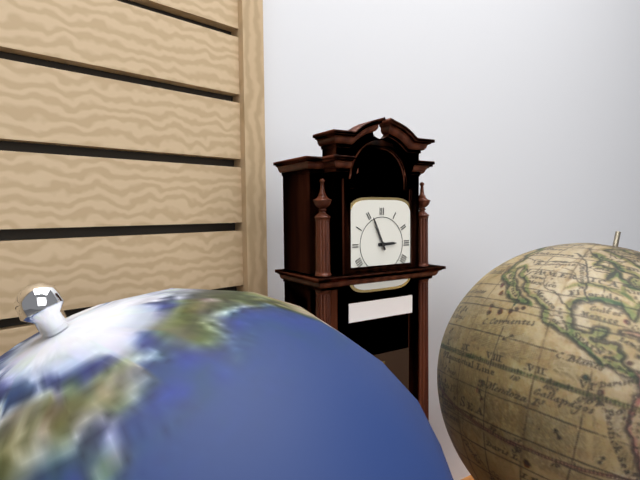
2,56
